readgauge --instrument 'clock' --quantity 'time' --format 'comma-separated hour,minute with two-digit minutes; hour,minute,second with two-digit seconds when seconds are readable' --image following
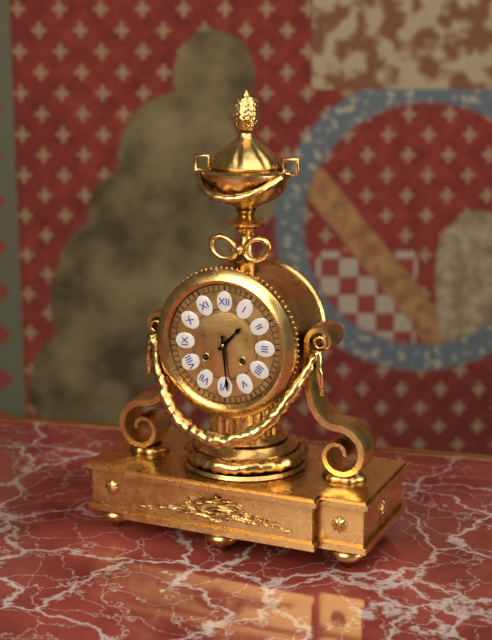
1,29
